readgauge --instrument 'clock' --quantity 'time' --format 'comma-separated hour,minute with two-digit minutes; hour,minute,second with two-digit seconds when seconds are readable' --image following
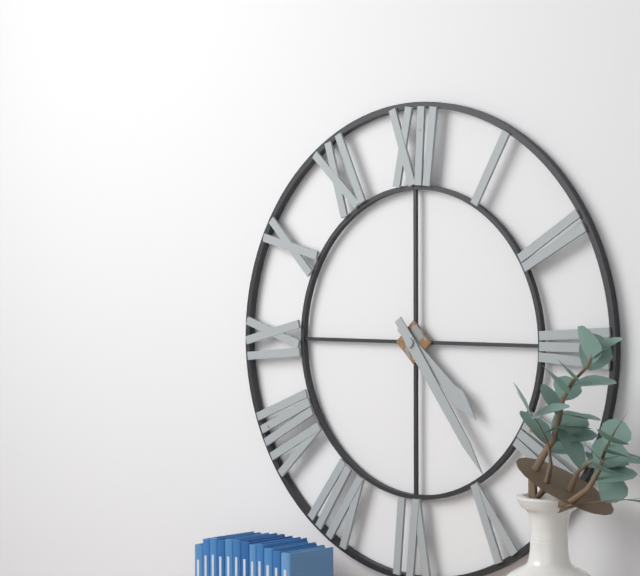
4,24
